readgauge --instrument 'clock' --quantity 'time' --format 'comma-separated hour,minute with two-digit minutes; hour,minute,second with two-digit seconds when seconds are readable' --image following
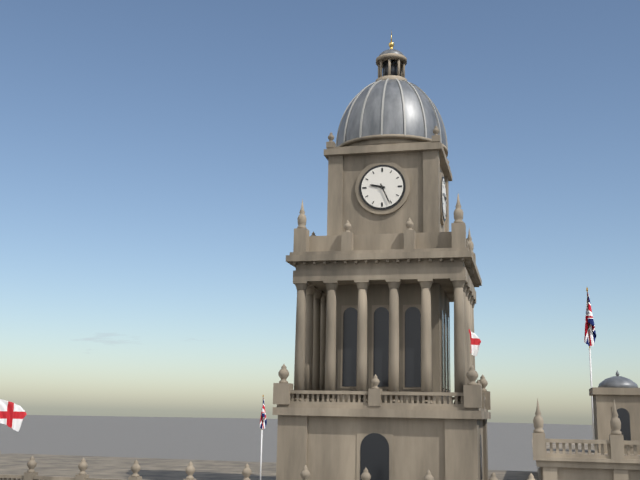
9,26
